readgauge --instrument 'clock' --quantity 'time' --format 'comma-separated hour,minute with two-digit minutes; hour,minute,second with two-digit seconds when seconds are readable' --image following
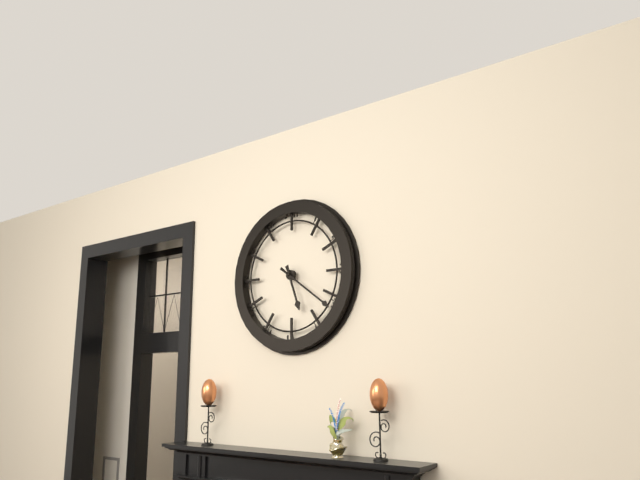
5,21
